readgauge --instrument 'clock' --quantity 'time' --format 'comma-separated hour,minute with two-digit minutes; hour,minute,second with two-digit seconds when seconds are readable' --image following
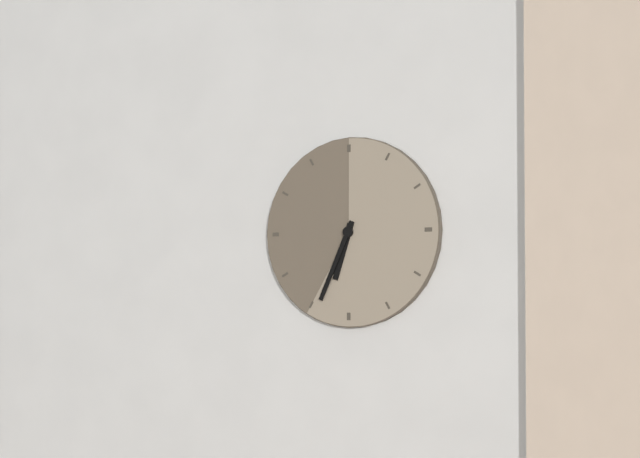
6,34
